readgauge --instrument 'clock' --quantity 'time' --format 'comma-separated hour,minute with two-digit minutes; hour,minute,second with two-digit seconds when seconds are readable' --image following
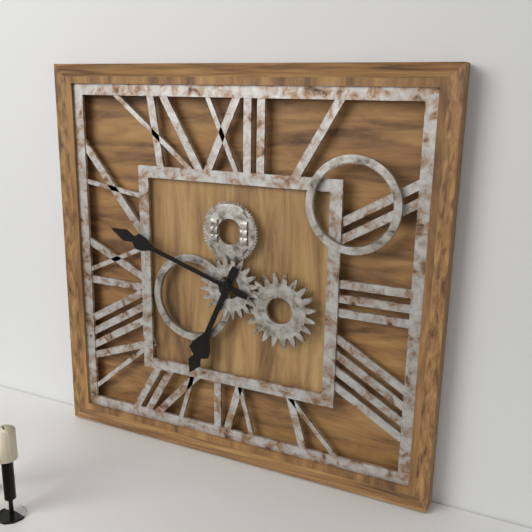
6,48
